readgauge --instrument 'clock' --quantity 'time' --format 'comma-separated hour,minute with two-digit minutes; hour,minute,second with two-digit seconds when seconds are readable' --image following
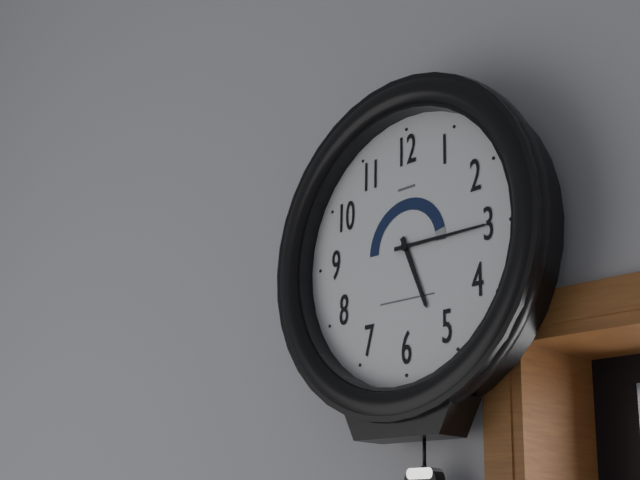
5,15
